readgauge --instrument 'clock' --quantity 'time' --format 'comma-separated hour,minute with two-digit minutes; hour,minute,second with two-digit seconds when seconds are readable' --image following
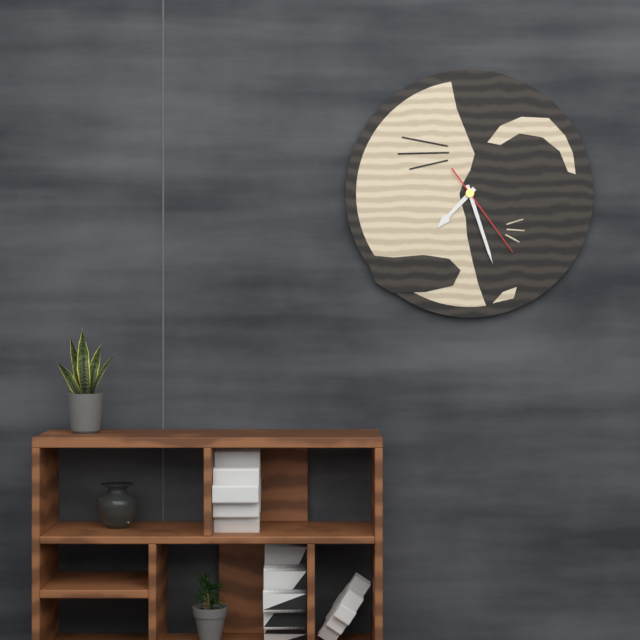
7,27,24
